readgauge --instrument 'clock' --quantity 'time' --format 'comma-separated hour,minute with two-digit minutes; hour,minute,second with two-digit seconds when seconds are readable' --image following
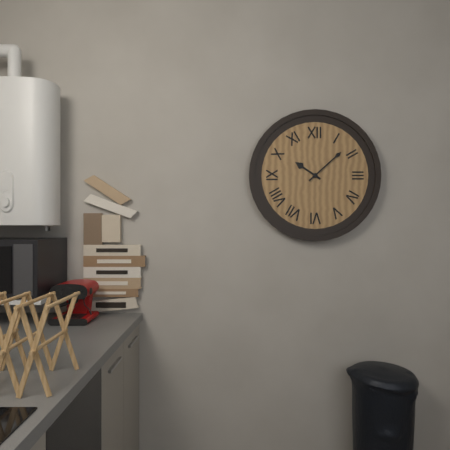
10,08
